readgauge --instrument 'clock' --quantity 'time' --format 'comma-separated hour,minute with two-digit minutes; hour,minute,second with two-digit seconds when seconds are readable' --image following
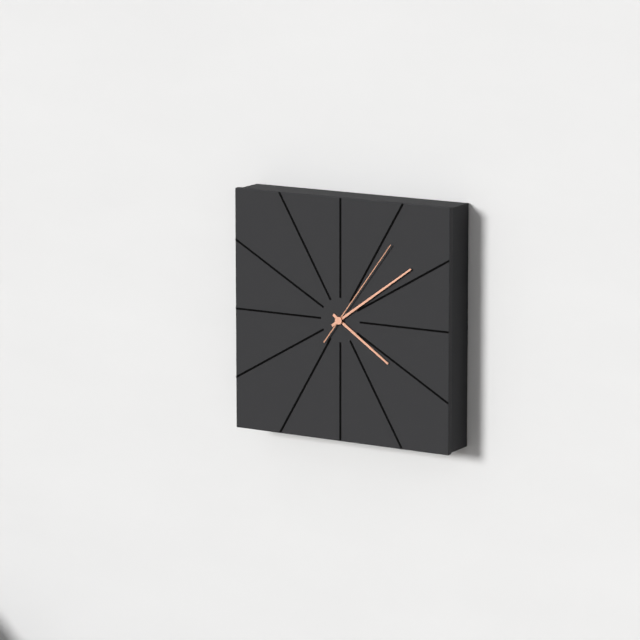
4,09,06
